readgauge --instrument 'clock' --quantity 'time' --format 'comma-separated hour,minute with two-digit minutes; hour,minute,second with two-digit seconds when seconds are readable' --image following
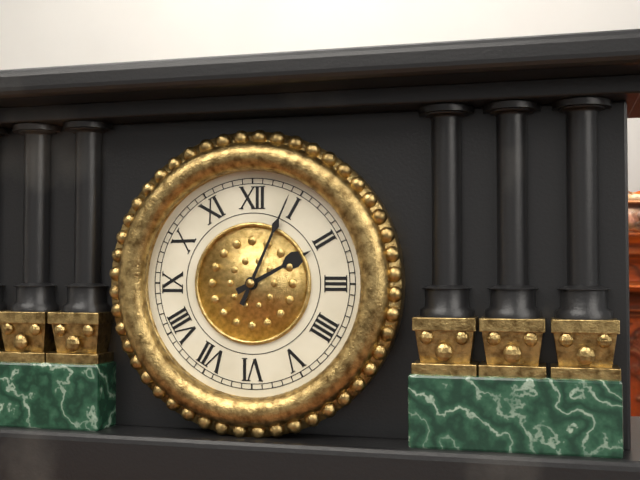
2,04
